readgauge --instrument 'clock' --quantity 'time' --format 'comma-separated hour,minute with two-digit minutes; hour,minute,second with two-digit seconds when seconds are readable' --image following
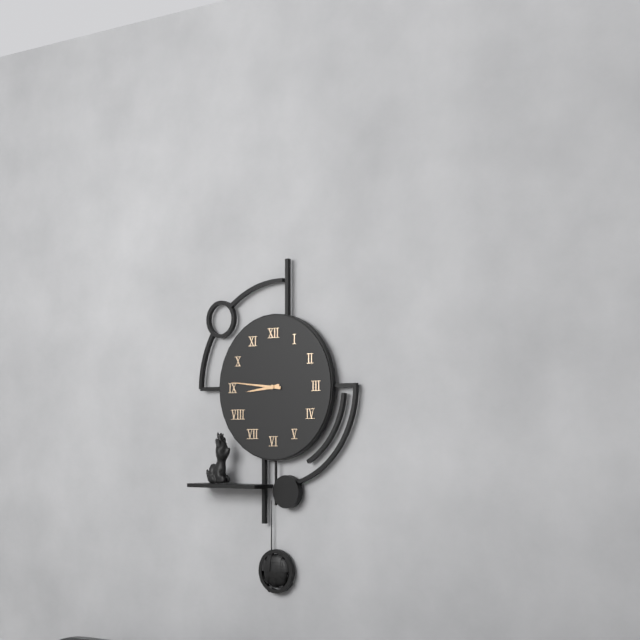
8,46
